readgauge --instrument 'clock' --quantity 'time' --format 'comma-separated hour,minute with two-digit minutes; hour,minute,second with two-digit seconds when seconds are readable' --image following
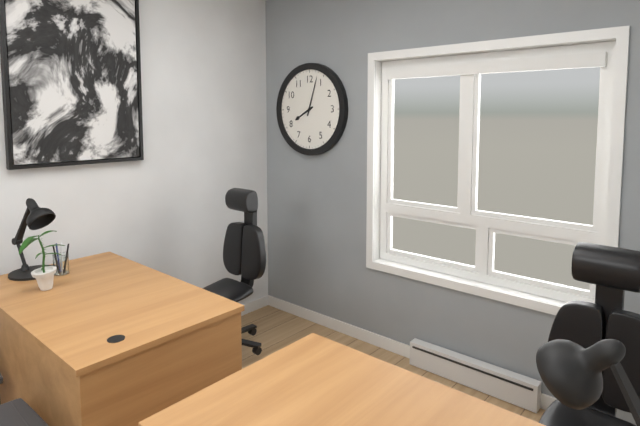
8,03
